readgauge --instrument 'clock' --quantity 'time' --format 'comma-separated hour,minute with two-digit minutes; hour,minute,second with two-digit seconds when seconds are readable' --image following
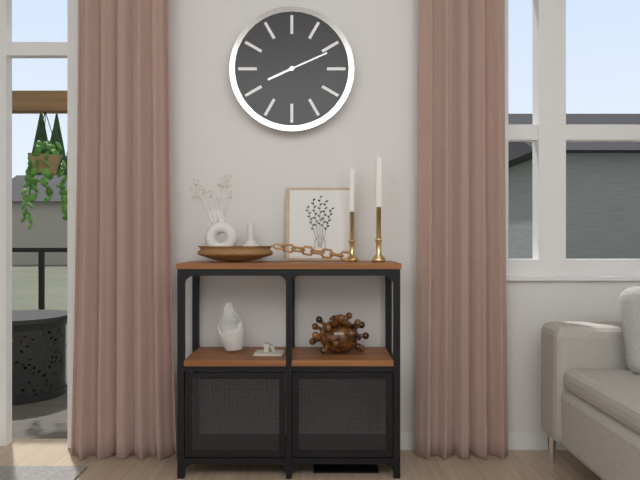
8,11
